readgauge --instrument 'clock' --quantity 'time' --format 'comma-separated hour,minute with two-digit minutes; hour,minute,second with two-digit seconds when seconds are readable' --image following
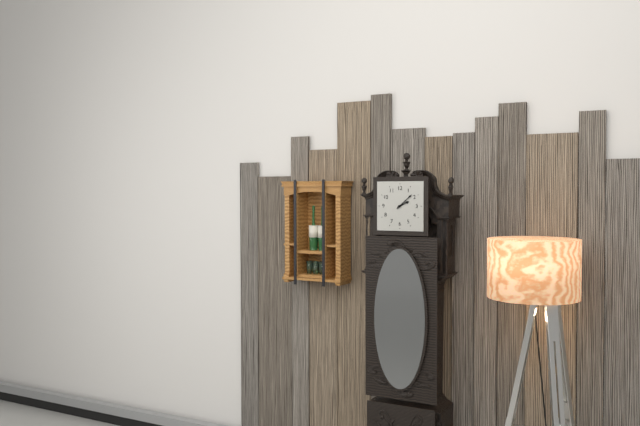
2,08
